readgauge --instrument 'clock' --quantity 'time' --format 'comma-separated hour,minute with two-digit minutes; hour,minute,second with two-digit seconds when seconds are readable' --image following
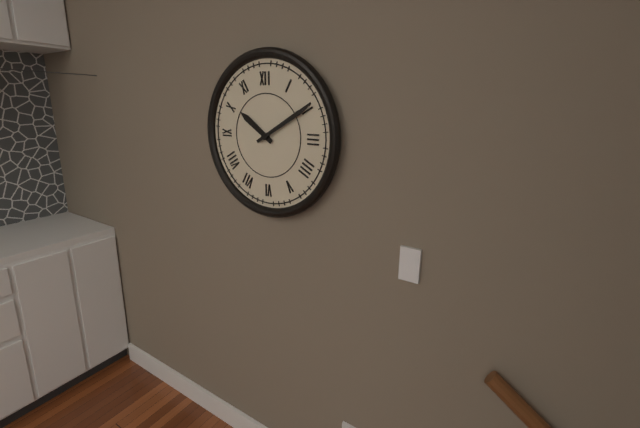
10,10
